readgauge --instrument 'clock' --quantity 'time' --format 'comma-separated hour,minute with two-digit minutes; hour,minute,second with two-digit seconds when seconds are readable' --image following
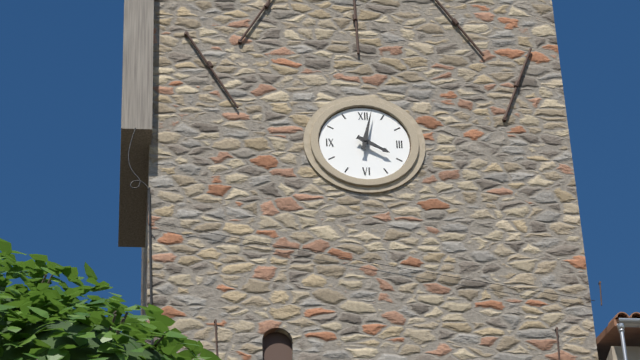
4,02
